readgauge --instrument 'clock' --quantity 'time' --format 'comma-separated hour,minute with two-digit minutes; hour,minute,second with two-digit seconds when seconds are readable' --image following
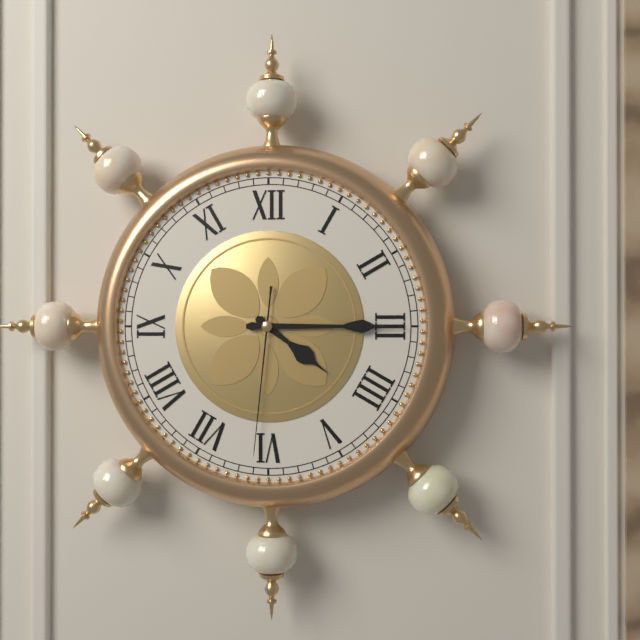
4,15,31
